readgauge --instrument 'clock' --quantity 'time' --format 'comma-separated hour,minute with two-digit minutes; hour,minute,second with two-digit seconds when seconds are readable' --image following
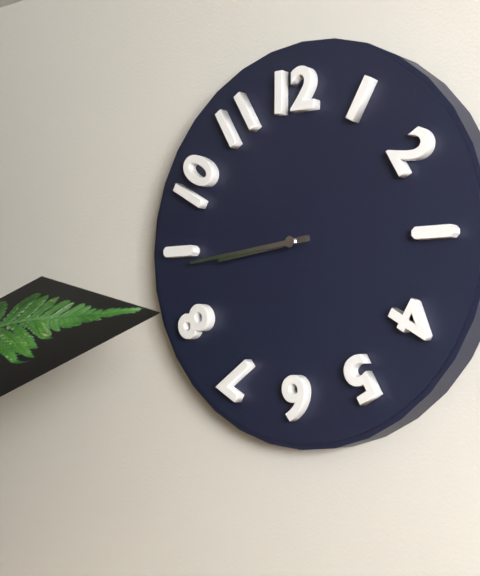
8,44
